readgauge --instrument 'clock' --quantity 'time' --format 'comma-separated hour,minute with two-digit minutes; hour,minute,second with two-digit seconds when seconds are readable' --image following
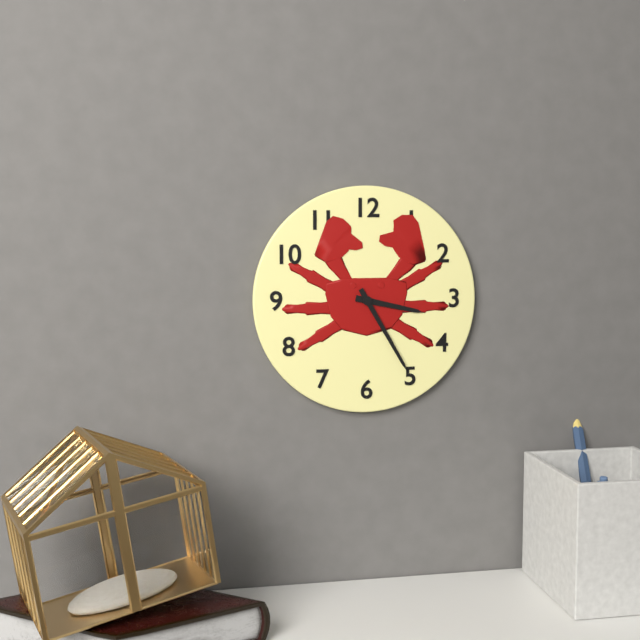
3,25
